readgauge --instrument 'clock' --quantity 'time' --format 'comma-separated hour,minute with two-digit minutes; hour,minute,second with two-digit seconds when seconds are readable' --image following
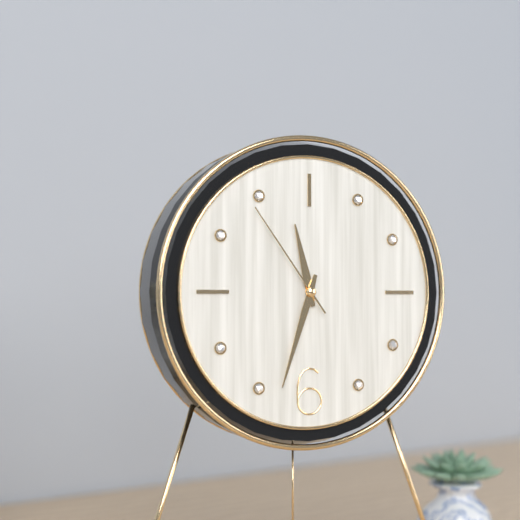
11,33,54
